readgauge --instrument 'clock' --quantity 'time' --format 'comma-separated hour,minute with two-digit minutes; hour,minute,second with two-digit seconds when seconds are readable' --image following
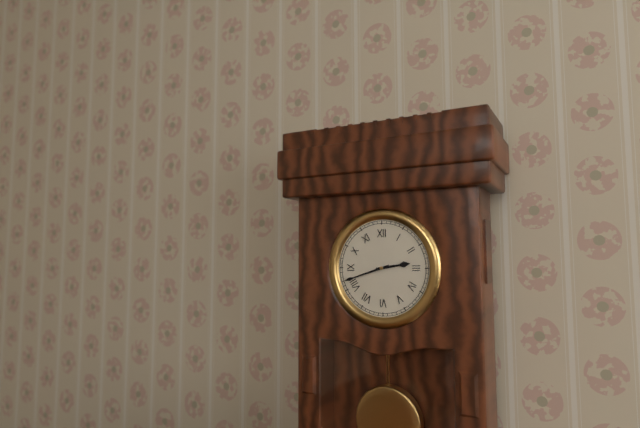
2,42
